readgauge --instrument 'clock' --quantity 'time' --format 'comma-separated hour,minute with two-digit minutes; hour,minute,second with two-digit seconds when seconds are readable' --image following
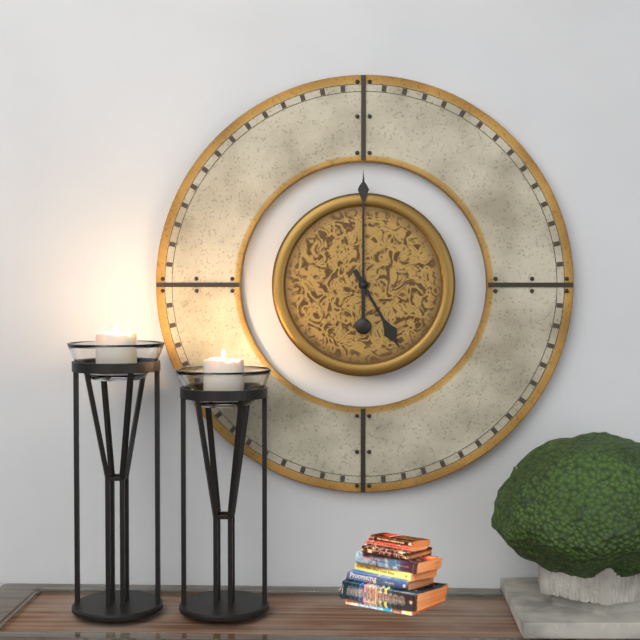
5,00
